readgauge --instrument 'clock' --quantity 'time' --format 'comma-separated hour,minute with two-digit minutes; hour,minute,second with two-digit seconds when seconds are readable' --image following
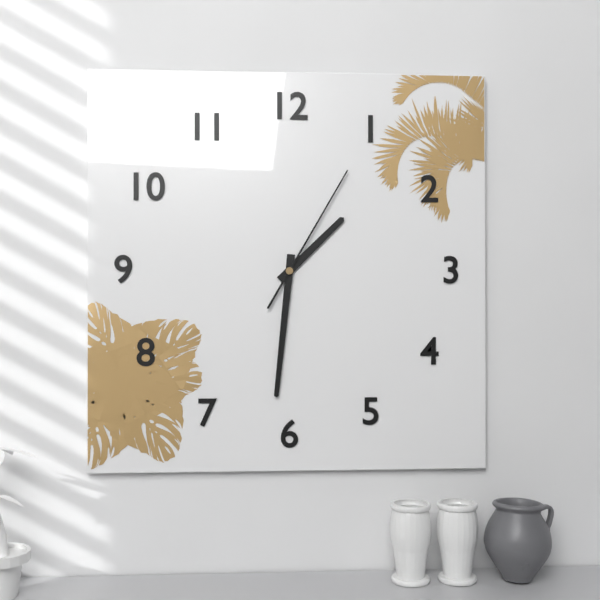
1,31,05
